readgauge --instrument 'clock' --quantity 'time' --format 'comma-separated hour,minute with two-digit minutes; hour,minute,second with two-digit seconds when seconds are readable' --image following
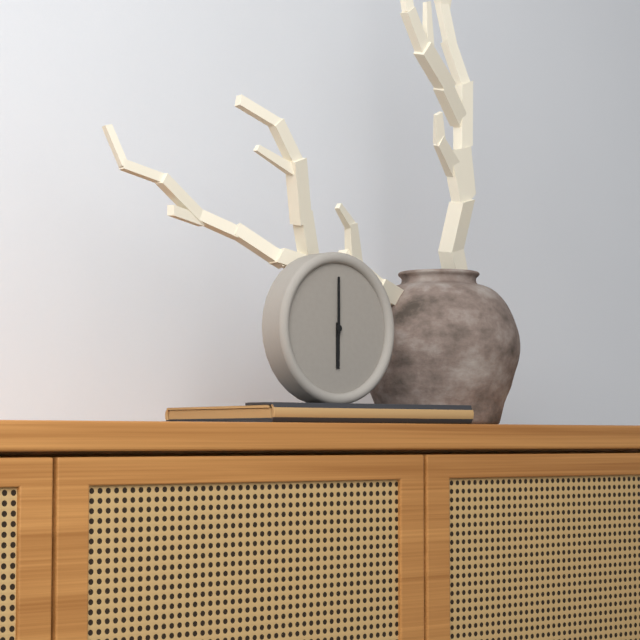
6,00
